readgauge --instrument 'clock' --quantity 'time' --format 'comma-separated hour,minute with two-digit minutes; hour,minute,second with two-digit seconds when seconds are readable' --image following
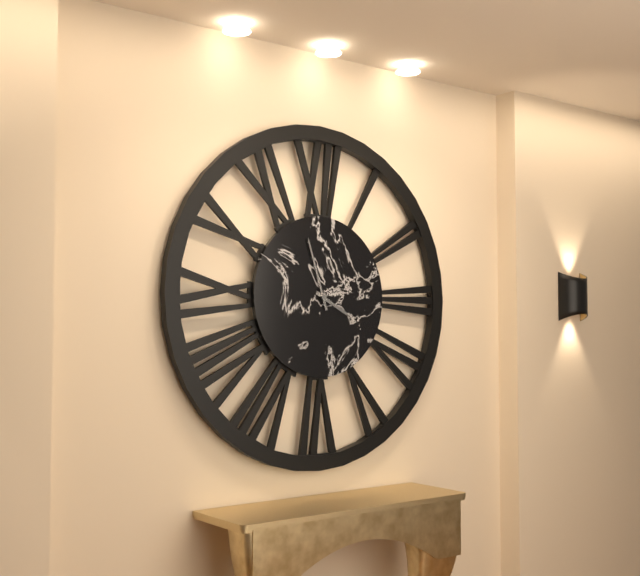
3,57
